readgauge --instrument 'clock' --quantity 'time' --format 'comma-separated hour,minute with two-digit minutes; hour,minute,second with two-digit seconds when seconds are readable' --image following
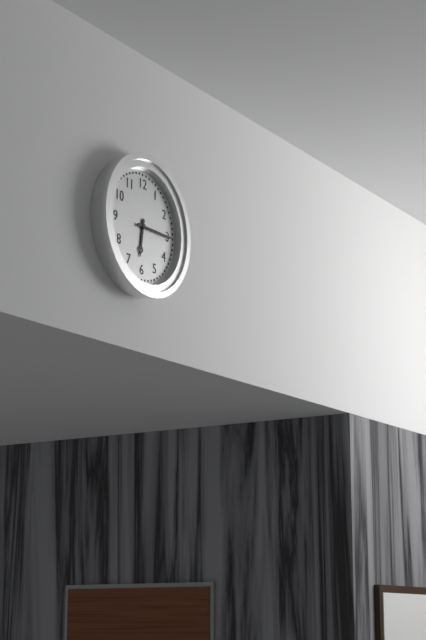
6,15
